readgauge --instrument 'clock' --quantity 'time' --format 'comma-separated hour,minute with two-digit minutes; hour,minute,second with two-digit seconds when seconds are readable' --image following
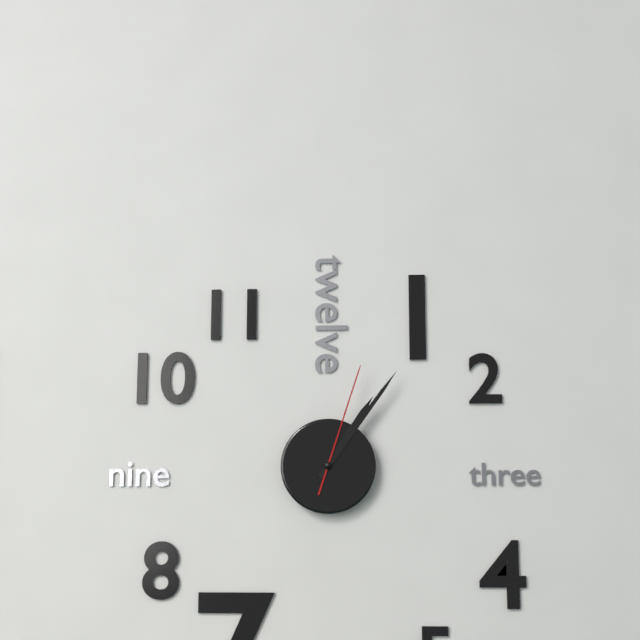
1,06,03
